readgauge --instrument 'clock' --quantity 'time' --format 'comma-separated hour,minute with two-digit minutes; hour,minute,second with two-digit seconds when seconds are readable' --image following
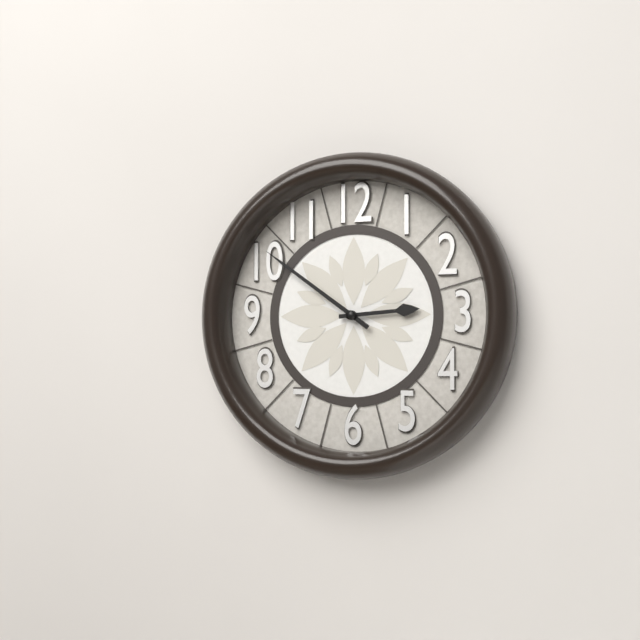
2,51
